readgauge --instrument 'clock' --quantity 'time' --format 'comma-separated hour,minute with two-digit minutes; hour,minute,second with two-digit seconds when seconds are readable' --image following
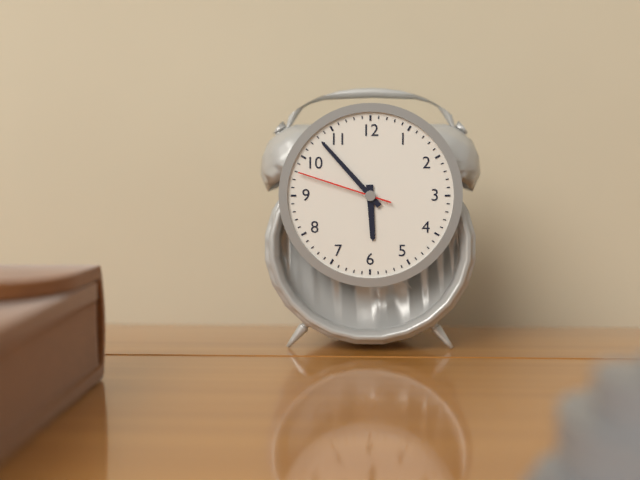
5,53,48
